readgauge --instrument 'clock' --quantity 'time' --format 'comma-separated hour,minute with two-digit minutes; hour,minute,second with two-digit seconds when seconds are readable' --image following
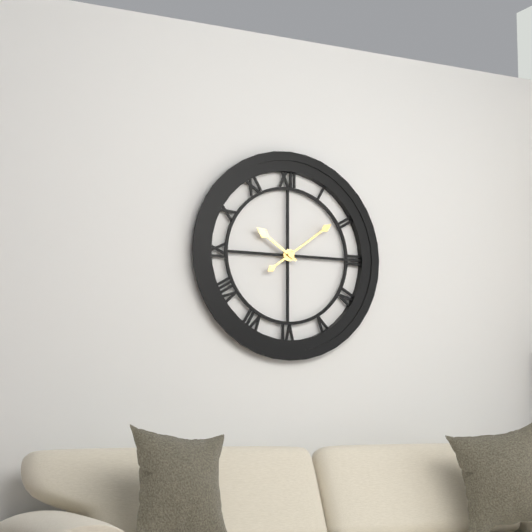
10,09
